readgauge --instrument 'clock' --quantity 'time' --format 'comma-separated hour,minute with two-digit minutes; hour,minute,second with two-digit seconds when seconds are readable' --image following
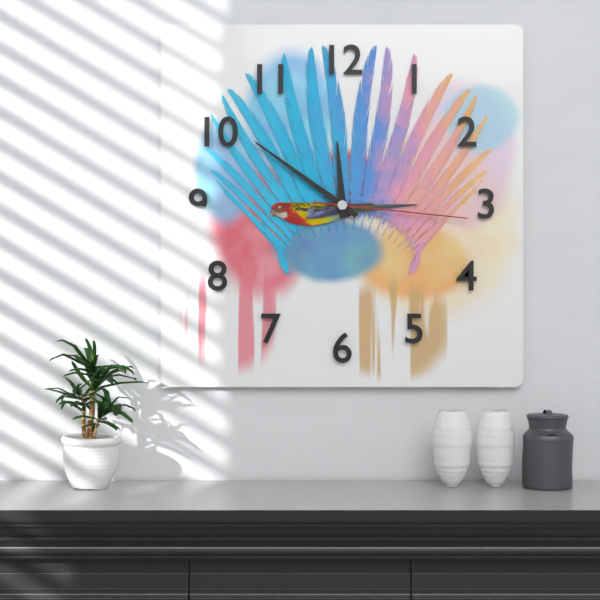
11,51,16
